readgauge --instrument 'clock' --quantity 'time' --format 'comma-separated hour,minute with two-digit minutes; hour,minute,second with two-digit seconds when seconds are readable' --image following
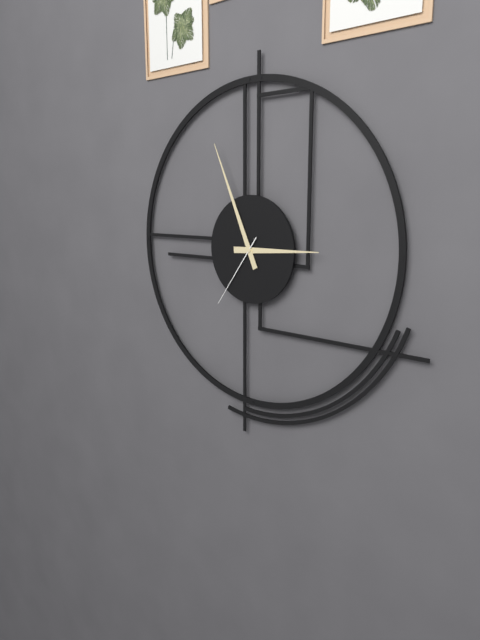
2,56,36
